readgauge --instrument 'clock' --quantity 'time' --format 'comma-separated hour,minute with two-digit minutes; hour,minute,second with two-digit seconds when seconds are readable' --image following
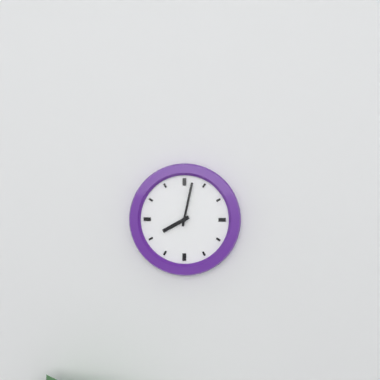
8,02
